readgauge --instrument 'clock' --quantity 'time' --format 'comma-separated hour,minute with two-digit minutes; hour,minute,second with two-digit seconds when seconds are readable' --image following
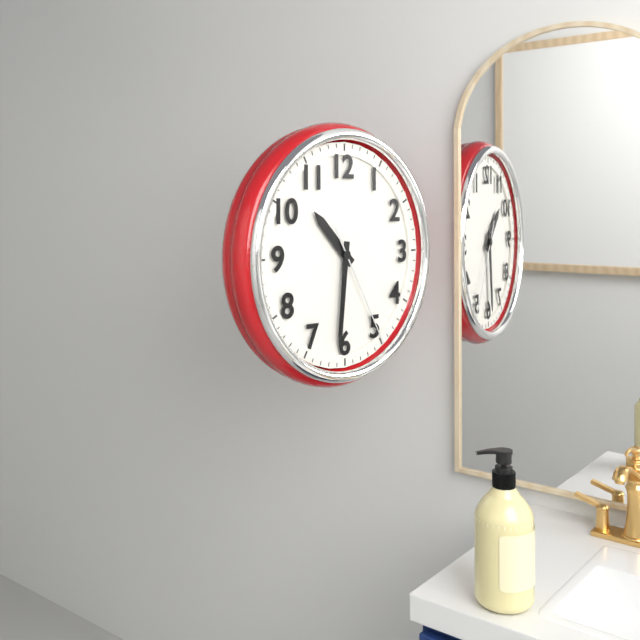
10,31,25
